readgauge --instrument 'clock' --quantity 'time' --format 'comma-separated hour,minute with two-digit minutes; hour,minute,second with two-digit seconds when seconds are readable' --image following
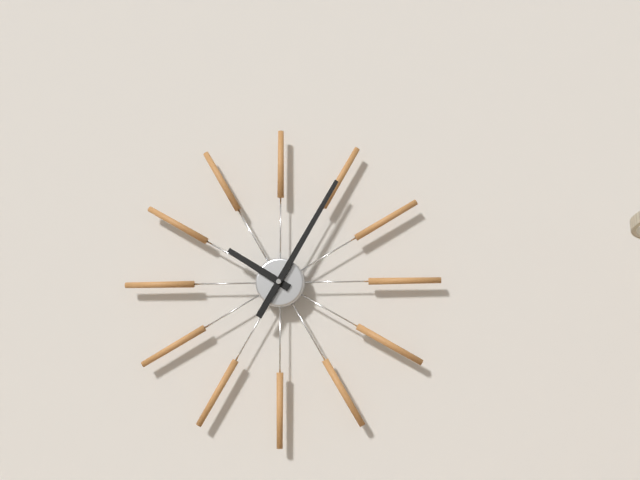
10,05
